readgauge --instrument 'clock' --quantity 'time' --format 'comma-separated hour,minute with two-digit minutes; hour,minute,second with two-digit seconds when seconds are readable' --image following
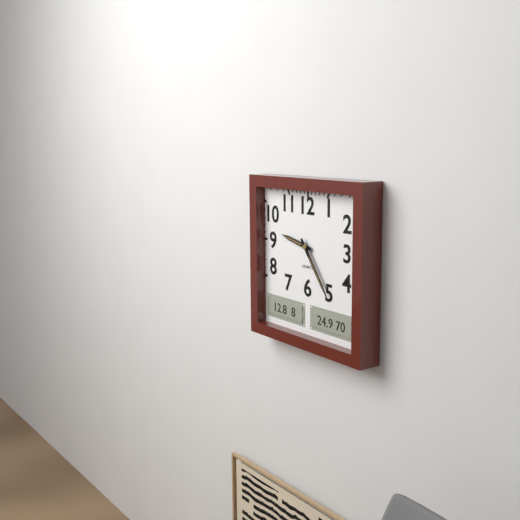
9,24
